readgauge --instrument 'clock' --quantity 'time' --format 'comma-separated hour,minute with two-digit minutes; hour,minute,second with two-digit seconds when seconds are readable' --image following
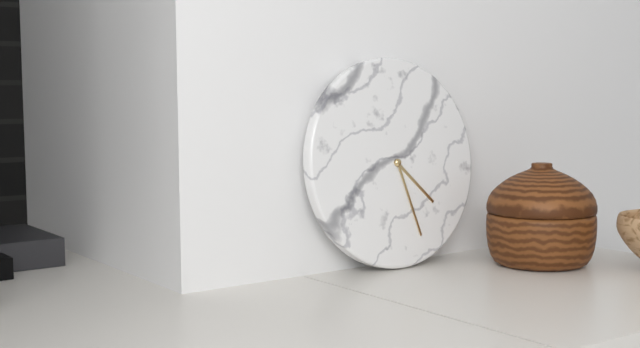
4,27
